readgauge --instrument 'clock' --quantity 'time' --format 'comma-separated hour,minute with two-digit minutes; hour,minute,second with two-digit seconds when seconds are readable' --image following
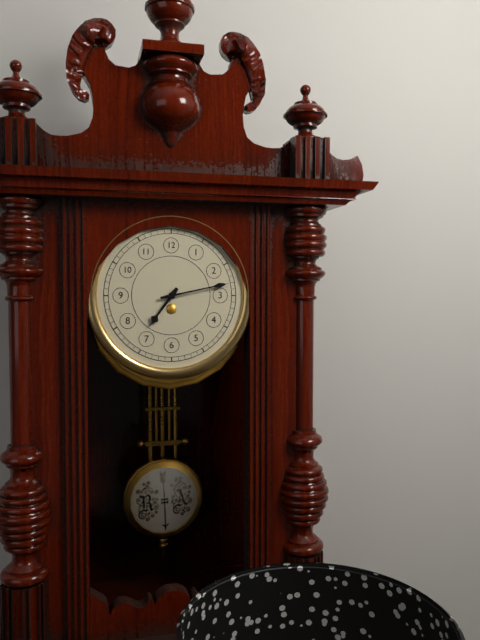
7,13
